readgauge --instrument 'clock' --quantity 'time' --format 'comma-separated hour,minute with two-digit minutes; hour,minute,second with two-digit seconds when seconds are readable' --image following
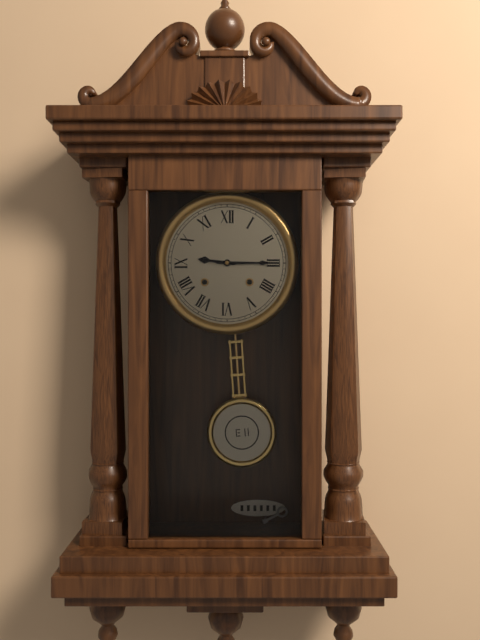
9,15
